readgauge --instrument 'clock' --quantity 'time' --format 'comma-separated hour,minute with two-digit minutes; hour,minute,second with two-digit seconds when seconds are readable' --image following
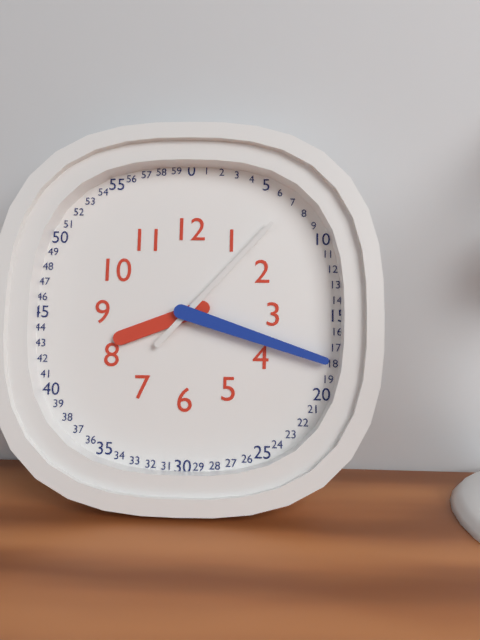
8,18,07
